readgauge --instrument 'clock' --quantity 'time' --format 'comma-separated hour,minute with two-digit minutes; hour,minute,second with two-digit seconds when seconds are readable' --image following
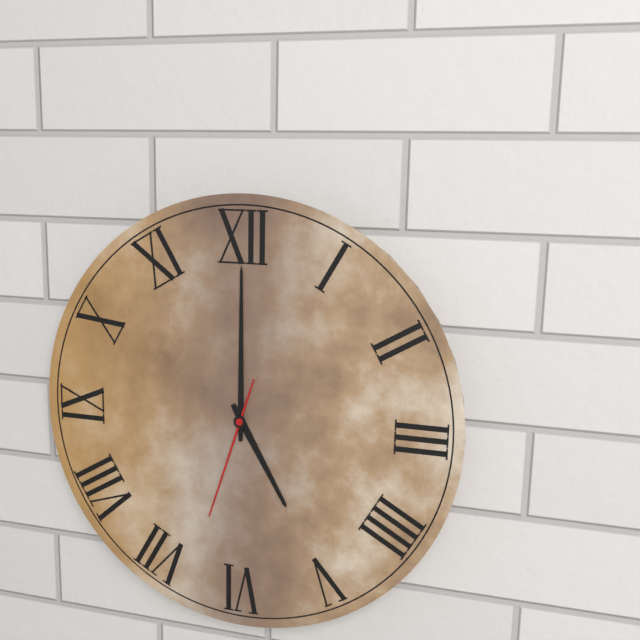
5,00,33
